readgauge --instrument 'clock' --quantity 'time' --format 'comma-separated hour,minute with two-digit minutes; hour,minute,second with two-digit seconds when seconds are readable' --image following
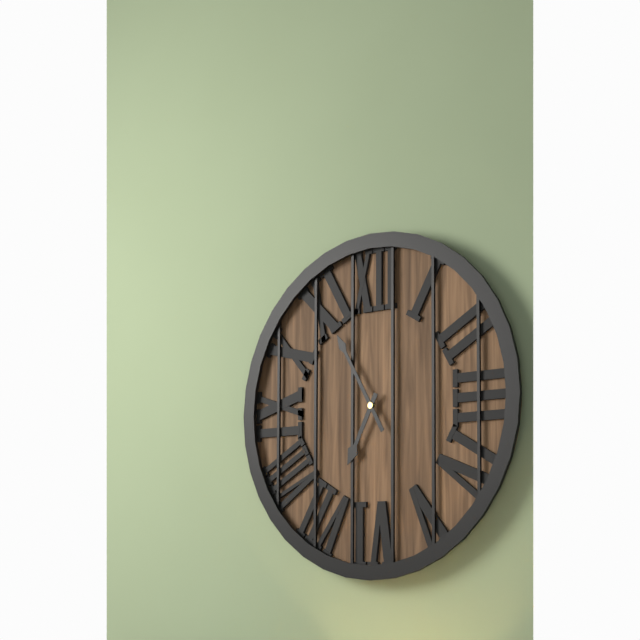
6,55
